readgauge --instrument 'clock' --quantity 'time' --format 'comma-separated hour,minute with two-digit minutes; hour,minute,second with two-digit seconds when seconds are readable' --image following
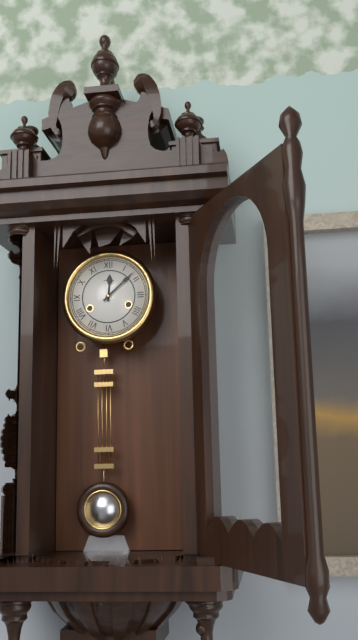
12,08
